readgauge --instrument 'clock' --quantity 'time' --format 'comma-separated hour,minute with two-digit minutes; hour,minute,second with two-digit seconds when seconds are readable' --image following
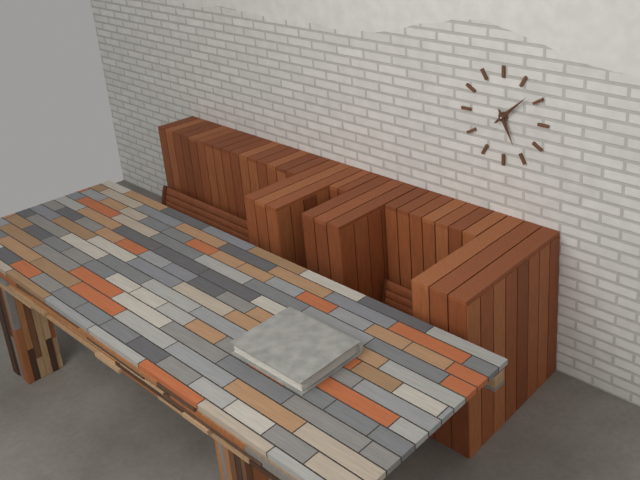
5,08
